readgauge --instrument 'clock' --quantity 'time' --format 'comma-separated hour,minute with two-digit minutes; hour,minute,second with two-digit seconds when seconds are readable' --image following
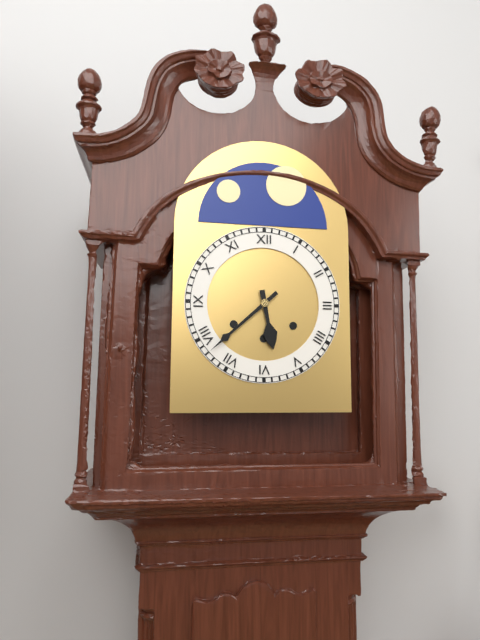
5,38
